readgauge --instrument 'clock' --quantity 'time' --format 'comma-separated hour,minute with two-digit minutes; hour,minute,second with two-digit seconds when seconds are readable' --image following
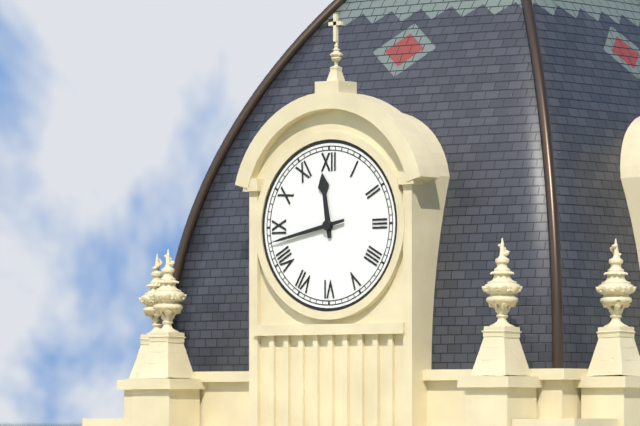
11,43
